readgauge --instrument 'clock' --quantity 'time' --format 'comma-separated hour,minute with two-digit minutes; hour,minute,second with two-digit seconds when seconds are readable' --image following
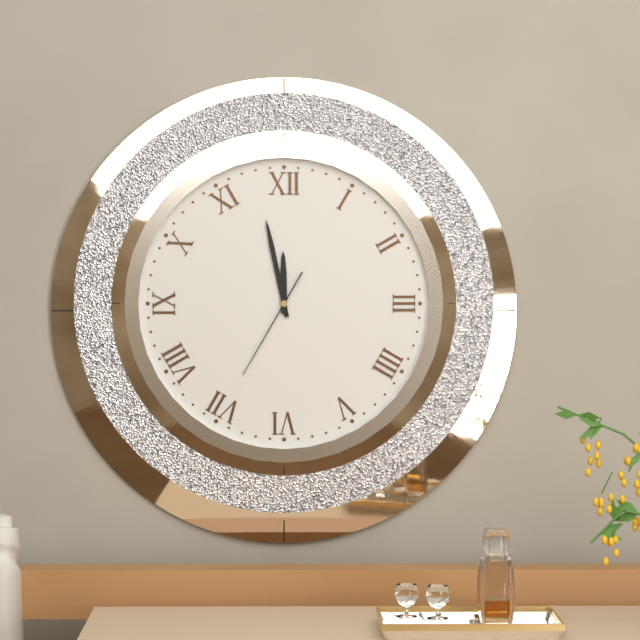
11,58,35
